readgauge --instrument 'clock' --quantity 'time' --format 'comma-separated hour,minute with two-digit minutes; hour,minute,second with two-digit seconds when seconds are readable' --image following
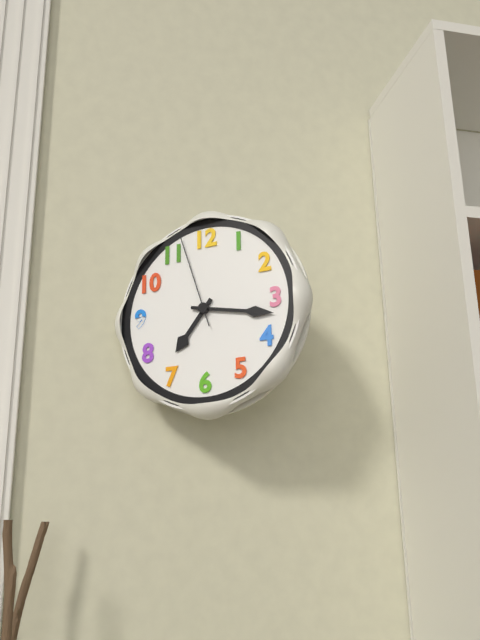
7,17,57
